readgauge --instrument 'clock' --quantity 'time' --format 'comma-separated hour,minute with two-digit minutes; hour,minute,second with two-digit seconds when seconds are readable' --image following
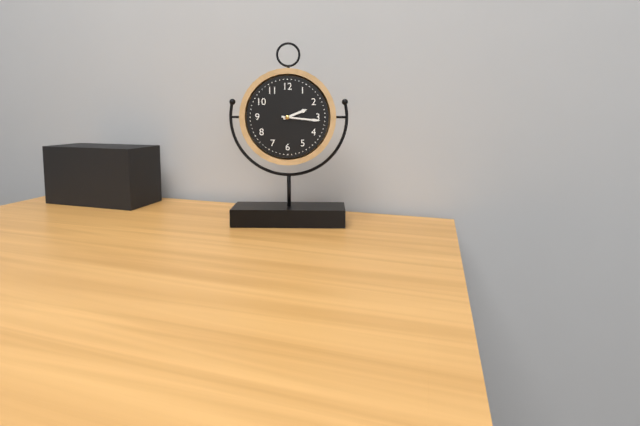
2,16
